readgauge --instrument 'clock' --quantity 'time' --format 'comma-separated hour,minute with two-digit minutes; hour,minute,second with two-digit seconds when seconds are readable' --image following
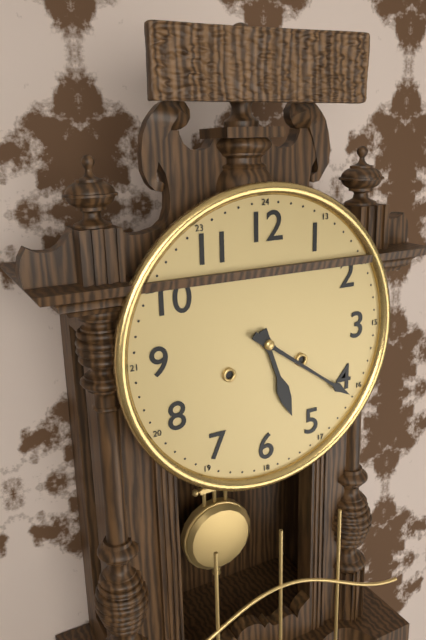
5,21
